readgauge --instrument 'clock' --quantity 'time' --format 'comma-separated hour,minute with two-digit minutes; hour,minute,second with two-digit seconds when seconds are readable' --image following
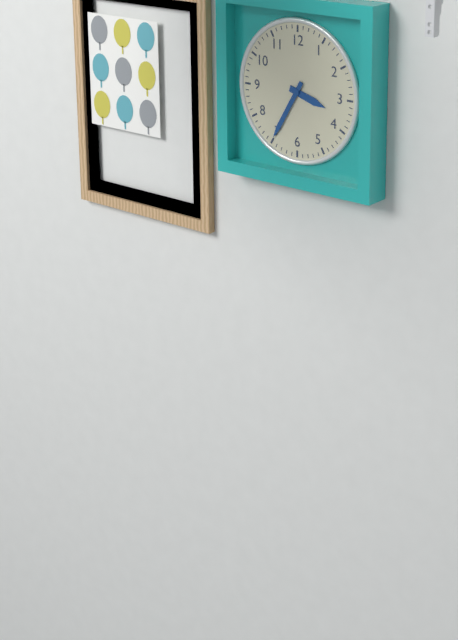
3,35
